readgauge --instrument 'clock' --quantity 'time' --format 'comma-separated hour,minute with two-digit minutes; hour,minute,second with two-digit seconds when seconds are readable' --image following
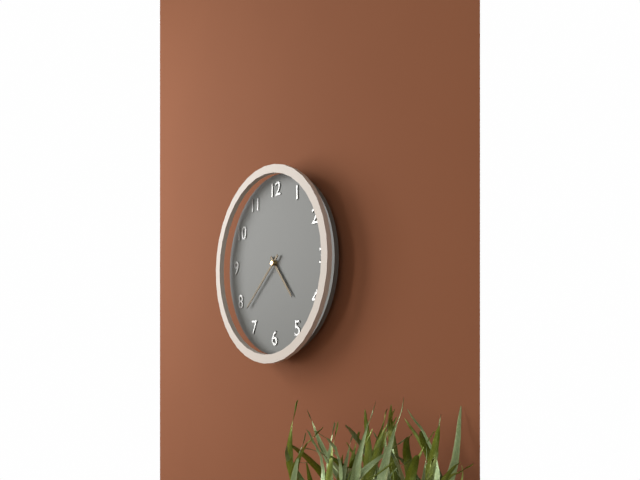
4,38
